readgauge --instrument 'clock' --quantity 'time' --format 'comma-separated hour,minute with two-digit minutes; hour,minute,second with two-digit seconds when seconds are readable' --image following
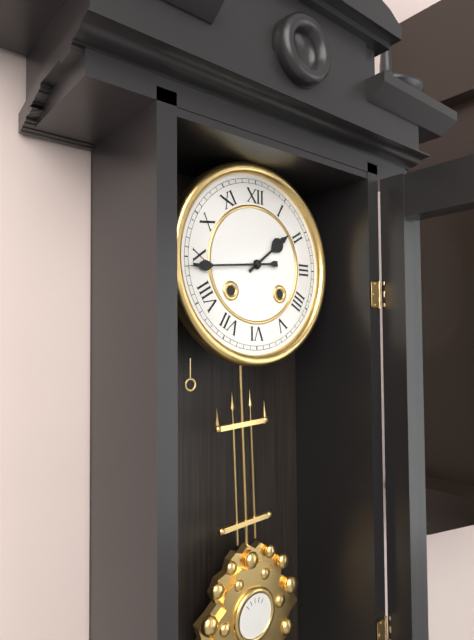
1,44
